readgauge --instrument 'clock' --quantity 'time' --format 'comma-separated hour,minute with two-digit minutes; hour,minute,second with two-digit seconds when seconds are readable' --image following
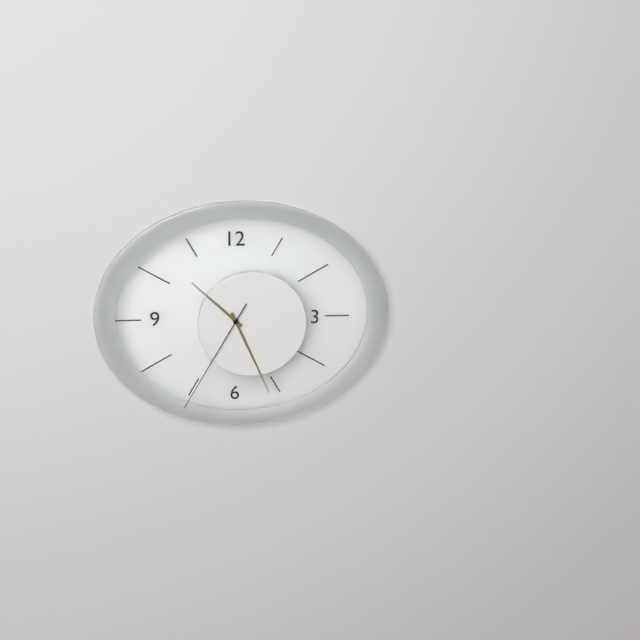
10,26,35
